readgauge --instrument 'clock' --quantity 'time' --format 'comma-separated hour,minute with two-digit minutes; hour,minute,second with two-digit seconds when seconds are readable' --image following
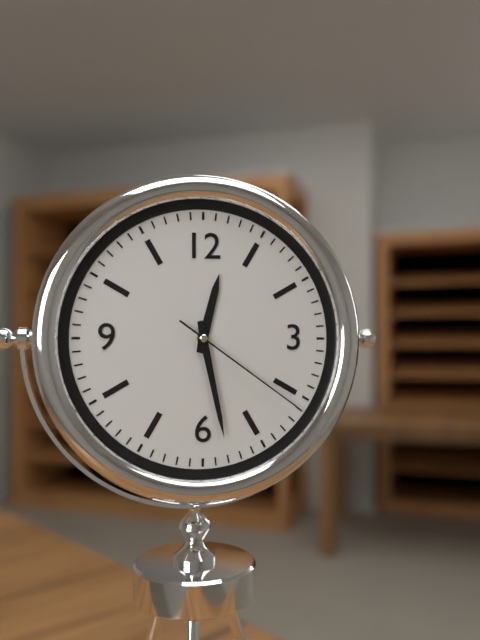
12,28,21
